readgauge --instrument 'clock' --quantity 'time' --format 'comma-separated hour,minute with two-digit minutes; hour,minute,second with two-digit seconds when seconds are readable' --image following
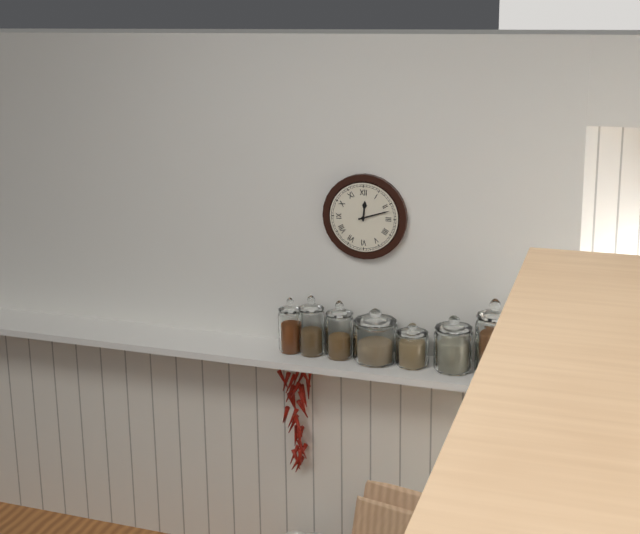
12,12
